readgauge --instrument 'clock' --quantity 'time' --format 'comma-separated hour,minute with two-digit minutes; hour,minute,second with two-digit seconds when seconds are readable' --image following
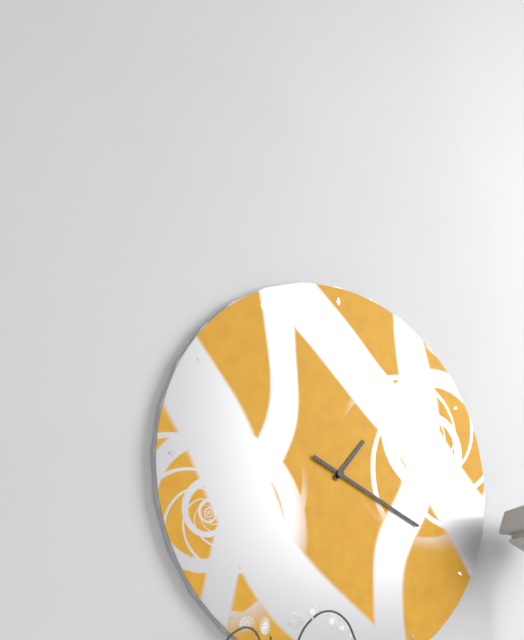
1,19
